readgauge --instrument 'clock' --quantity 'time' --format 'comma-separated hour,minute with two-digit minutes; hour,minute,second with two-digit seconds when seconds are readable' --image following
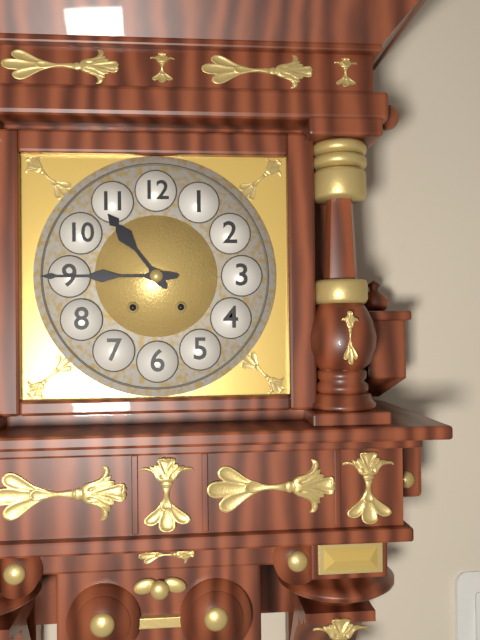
10,45
